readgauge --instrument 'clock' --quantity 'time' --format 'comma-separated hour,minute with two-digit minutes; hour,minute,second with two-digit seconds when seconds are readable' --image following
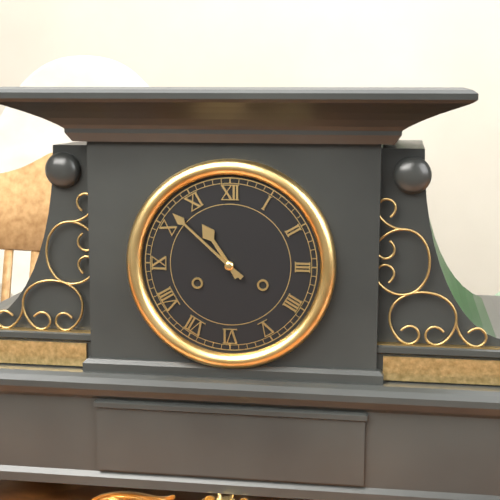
10,52
